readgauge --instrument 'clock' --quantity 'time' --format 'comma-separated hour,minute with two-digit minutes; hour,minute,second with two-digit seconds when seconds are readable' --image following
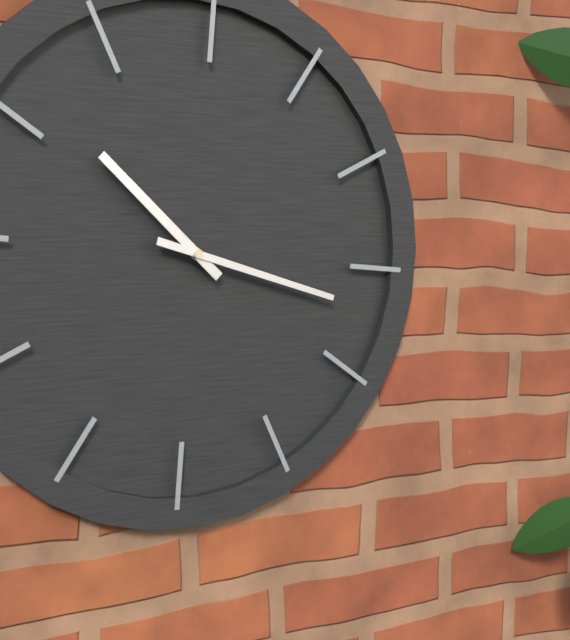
10,17
